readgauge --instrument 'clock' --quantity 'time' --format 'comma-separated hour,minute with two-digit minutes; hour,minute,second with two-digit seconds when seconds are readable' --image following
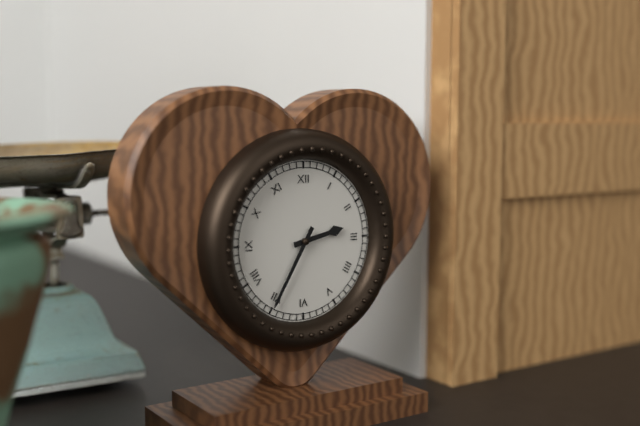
2,35
